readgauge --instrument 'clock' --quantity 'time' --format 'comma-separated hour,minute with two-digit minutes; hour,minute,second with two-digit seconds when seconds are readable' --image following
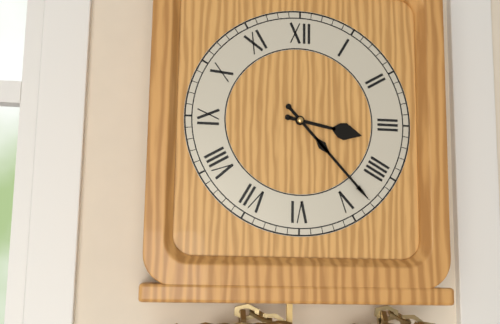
3,23
